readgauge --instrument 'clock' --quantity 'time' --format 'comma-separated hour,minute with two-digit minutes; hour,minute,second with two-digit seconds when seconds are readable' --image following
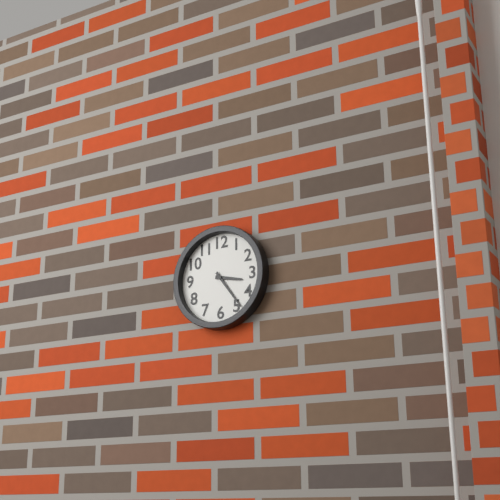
3,24
